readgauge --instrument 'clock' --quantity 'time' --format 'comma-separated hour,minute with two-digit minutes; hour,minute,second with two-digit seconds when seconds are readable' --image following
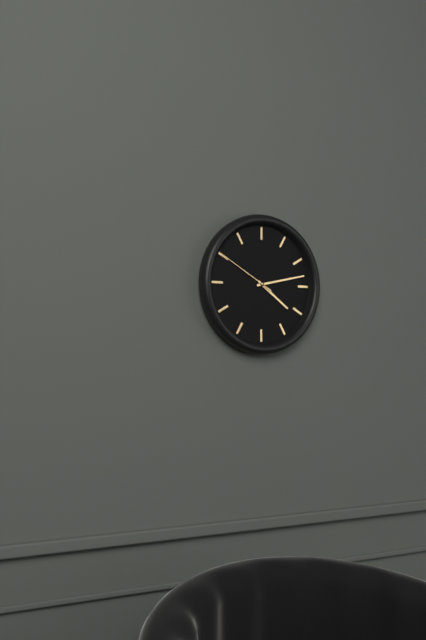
4,13,50
